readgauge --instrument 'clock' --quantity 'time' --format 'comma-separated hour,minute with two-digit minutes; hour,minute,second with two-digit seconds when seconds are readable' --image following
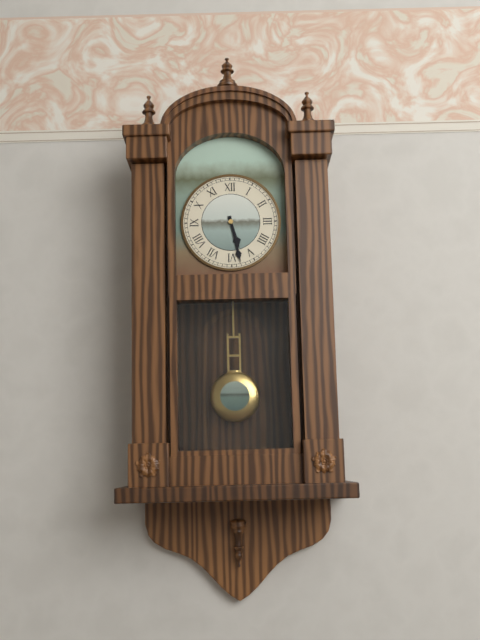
5,28
